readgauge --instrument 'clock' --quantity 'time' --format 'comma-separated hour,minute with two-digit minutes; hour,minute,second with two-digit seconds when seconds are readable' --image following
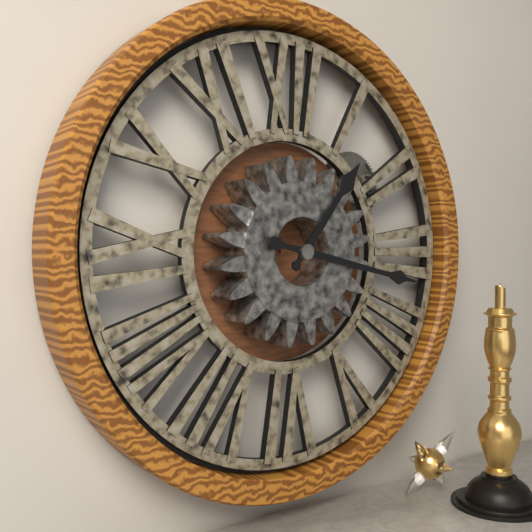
1,17
